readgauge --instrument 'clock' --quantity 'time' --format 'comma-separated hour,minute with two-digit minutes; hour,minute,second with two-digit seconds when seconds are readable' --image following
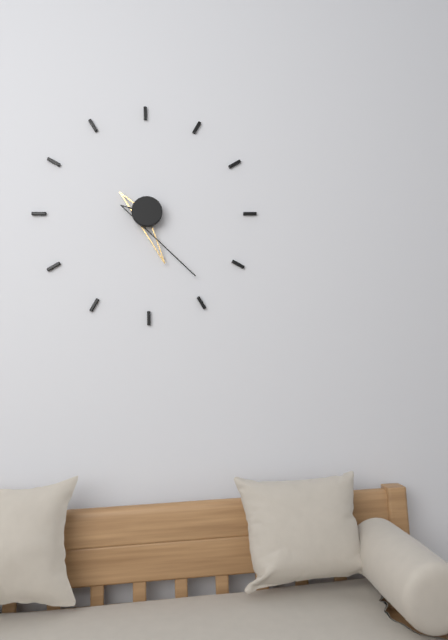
5,24
